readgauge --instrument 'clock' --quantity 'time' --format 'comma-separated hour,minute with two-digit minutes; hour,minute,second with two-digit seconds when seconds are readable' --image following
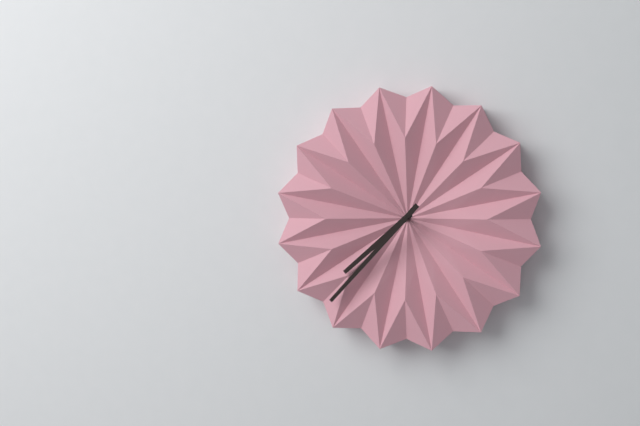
7,37
